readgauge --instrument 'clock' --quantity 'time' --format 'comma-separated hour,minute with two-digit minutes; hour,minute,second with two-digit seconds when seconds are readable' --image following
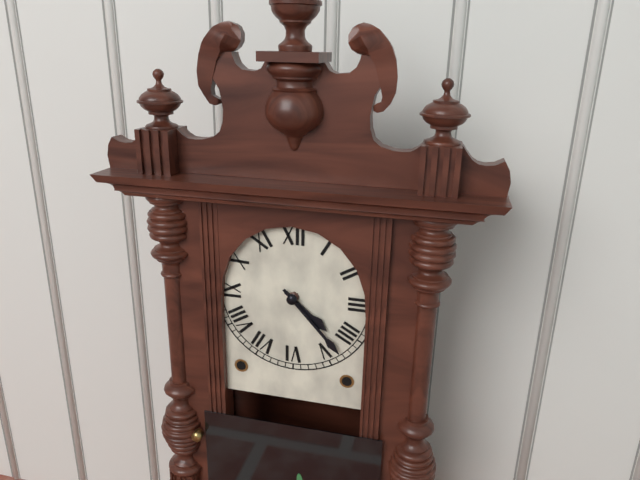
4,23
